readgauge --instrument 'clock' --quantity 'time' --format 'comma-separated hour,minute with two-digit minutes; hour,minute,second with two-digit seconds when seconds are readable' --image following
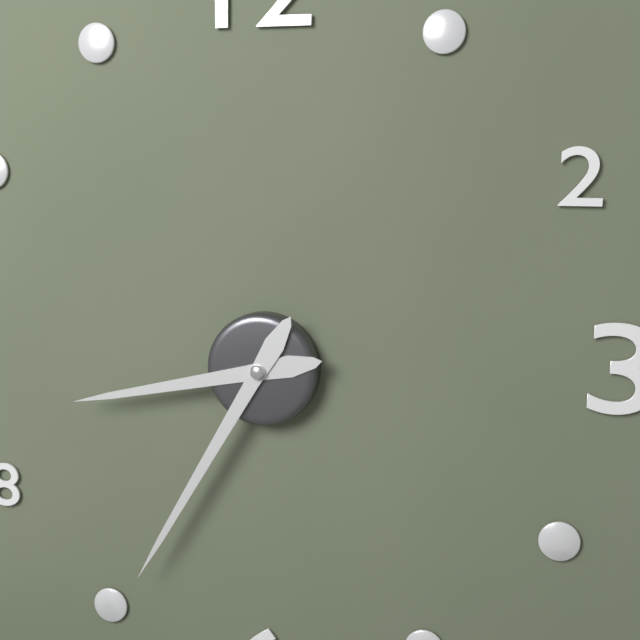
8,35
